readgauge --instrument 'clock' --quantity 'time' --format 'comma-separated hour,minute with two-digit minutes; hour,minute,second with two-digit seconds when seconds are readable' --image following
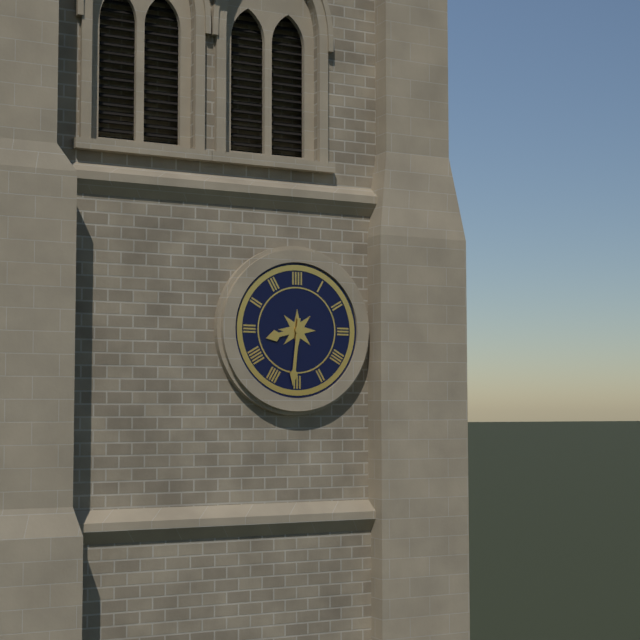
8,31
